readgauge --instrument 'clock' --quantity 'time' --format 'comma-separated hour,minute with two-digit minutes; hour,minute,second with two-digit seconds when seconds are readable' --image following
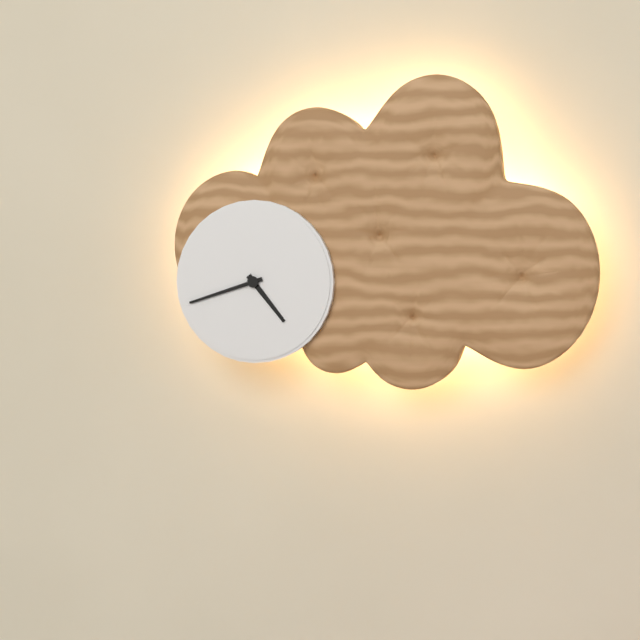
4,42
